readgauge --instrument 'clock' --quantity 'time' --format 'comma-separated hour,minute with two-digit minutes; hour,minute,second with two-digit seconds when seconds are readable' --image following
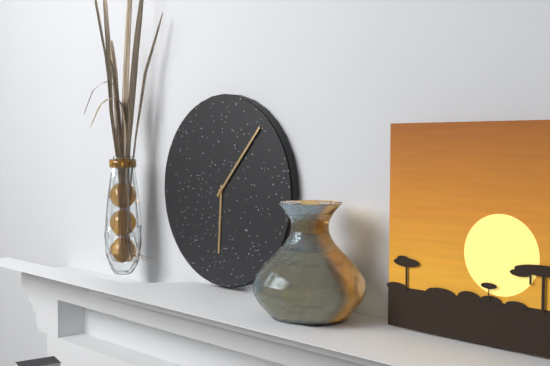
6,07
